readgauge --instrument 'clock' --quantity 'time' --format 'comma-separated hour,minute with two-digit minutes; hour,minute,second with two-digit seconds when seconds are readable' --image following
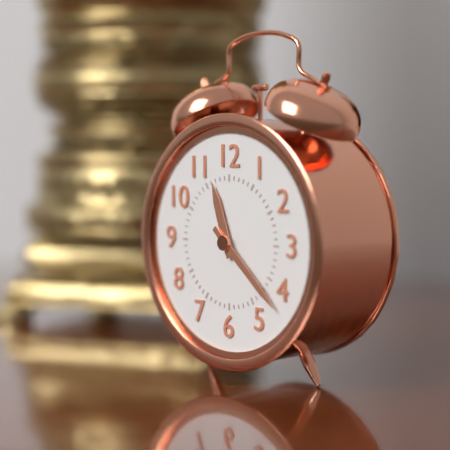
11,22
